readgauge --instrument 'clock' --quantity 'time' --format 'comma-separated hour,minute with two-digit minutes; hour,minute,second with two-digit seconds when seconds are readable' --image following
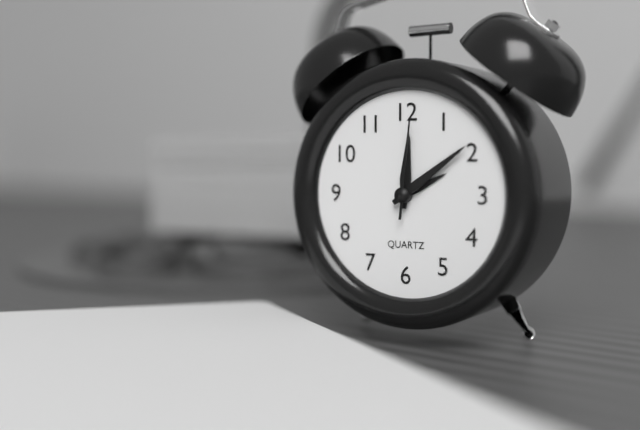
12,09,01
